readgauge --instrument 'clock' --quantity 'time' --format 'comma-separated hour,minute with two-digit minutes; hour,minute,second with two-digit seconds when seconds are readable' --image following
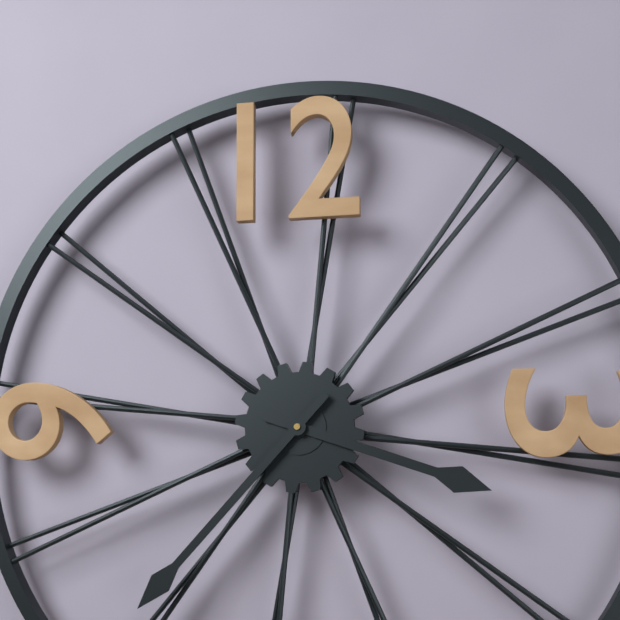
3,37
